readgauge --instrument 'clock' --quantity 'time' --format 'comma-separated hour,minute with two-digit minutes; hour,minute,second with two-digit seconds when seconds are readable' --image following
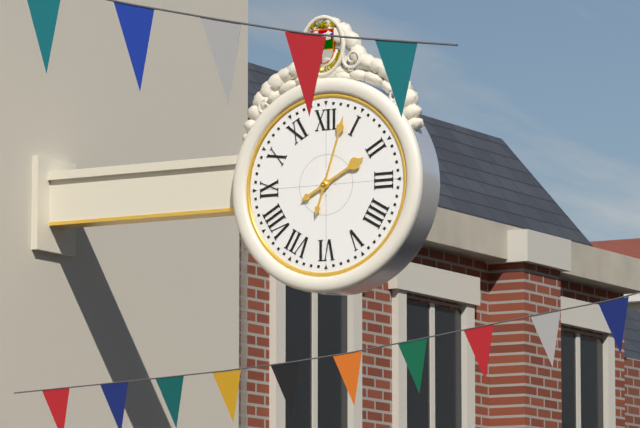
2,03
